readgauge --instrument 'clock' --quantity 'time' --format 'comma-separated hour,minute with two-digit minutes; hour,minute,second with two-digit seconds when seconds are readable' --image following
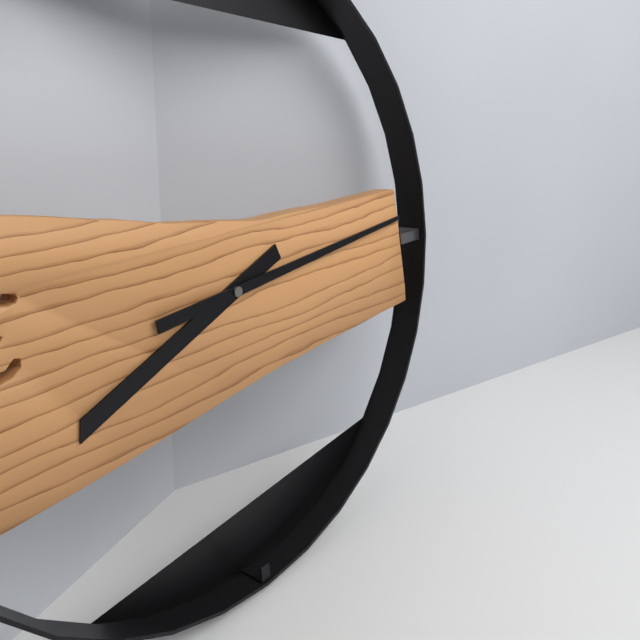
8,14
